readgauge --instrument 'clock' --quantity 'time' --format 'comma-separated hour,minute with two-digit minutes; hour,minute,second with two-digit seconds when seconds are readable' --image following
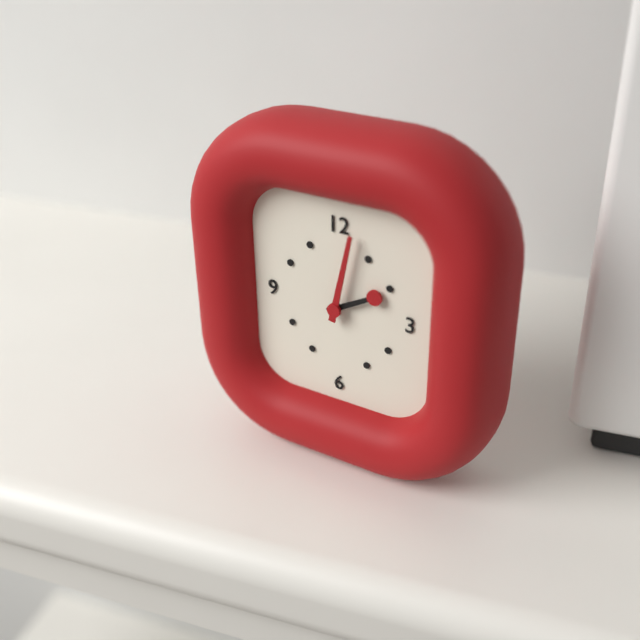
2,02
